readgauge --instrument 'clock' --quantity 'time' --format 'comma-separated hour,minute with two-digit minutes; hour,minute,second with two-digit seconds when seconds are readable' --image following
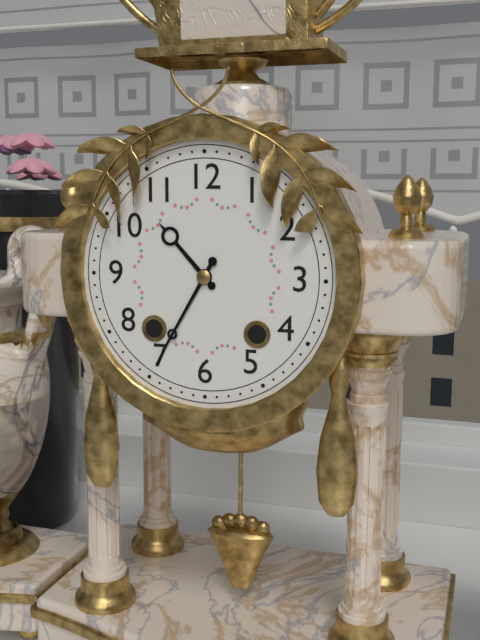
10,35
